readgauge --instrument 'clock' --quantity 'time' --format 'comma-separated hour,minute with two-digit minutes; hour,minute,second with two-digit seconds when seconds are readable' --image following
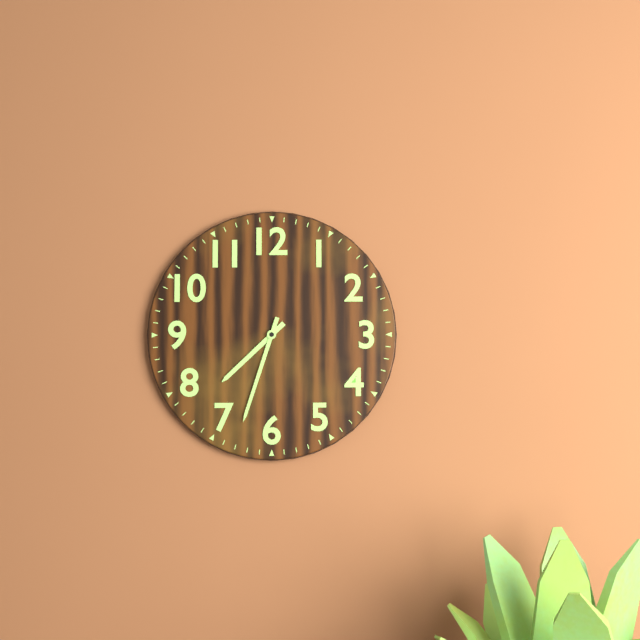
7,33
